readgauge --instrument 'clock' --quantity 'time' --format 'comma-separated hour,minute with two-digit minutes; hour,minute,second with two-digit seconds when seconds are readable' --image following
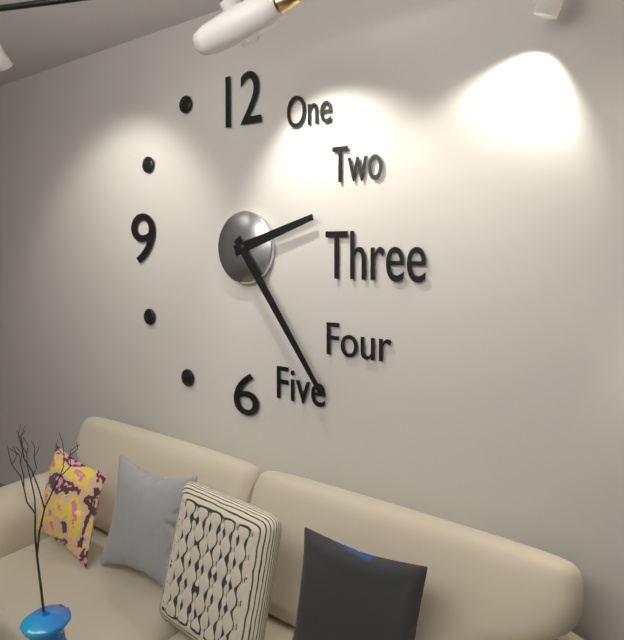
2,24
